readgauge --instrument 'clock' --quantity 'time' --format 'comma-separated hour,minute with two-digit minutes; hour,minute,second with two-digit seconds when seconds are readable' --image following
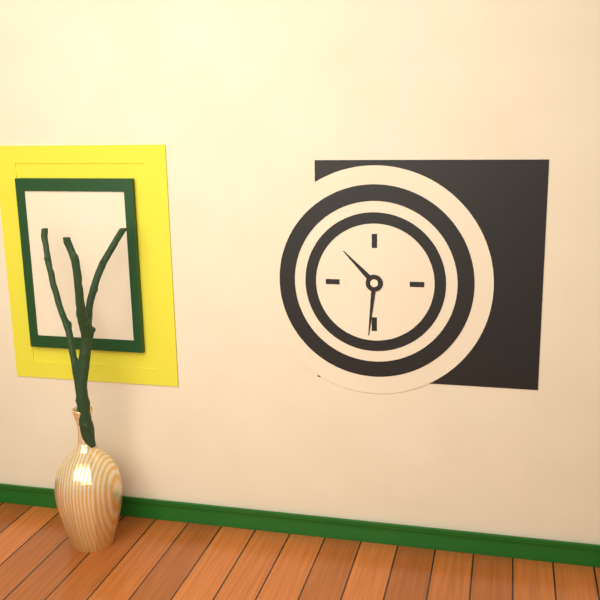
10,31
